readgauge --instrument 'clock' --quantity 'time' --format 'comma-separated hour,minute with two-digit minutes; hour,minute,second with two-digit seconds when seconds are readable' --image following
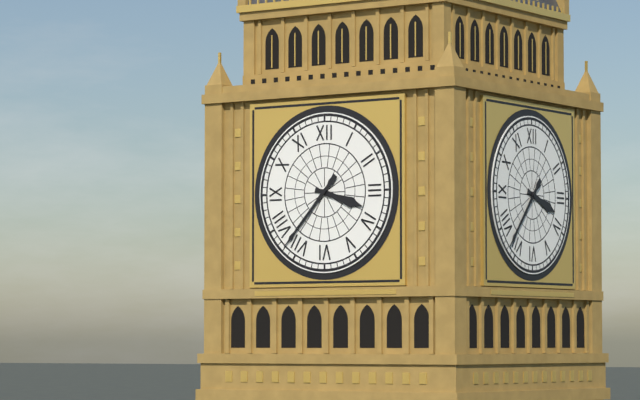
3,37
